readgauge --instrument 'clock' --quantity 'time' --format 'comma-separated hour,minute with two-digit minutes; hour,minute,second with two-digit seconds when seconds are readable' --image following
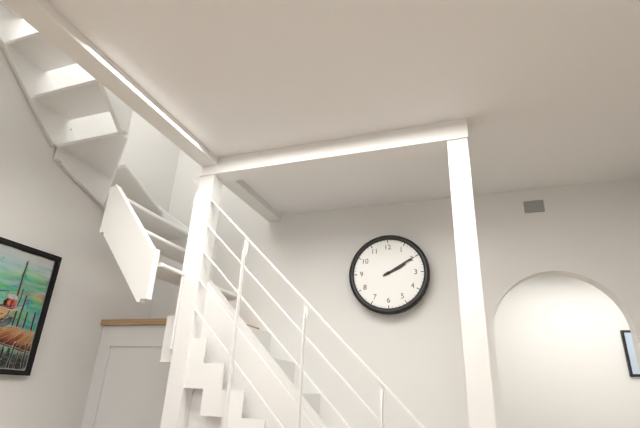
2,10
